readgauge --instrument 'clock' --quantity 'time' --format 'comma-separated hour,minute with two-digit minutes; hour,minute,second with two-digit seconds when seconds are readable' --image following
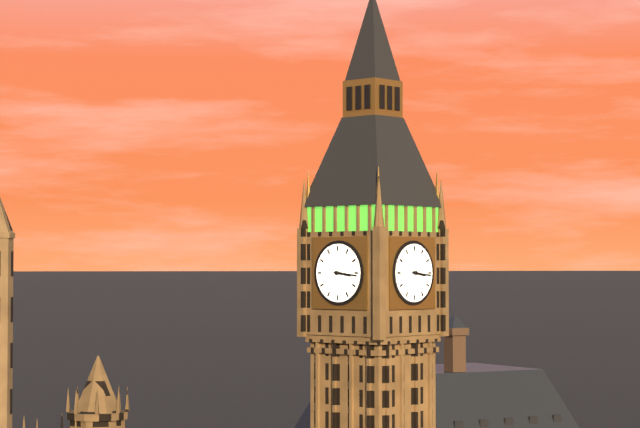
3,16
